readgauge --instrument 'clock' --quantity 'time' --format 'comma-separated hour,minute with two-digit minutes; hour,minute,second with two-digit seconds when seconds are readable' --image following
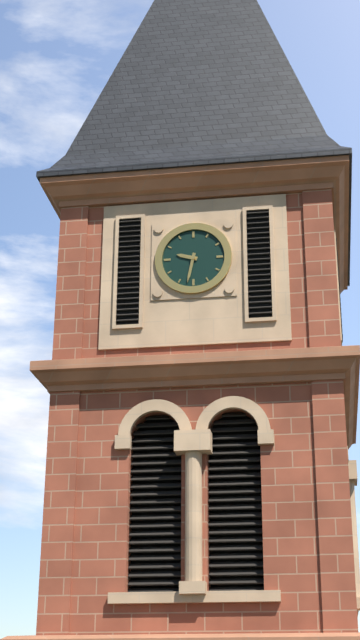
9,32
